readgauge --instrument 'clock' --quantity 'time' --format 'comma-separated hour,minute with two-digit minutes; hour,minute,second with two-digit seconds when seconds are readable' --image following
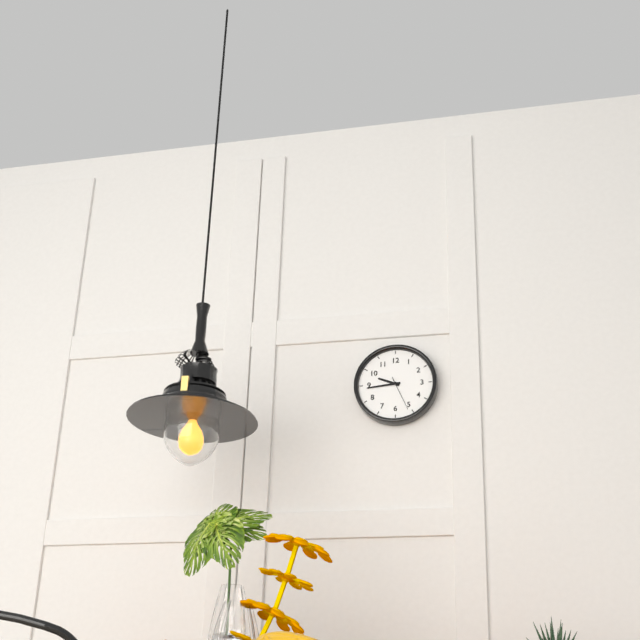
9,44
